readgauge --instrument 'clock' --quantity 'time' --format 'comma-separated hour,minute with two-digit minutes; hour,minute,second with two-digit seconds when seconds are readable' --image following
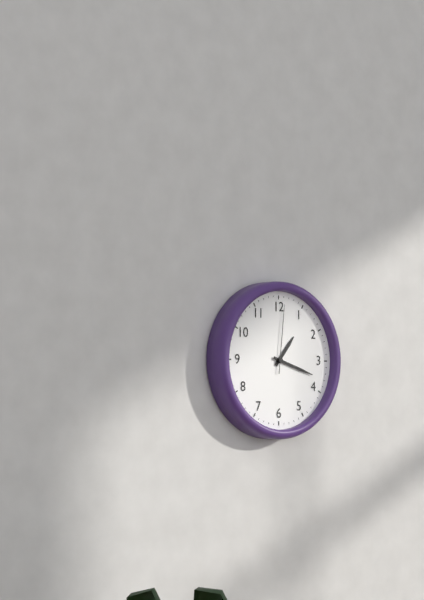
1,18,01
